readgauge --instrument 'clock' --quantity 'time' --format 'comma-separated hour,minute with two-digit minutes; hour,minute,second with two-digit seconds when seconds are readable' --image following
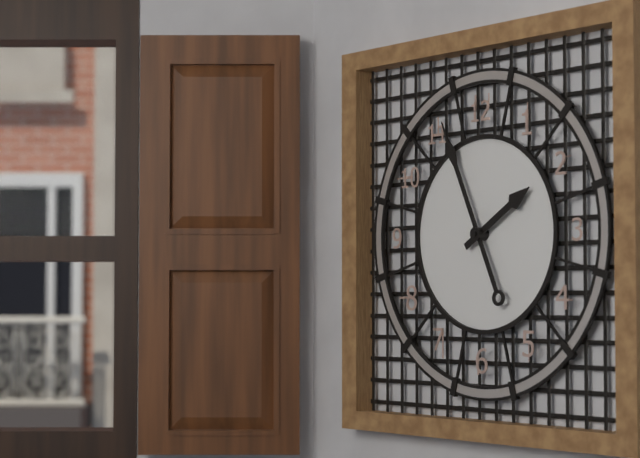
1,56
